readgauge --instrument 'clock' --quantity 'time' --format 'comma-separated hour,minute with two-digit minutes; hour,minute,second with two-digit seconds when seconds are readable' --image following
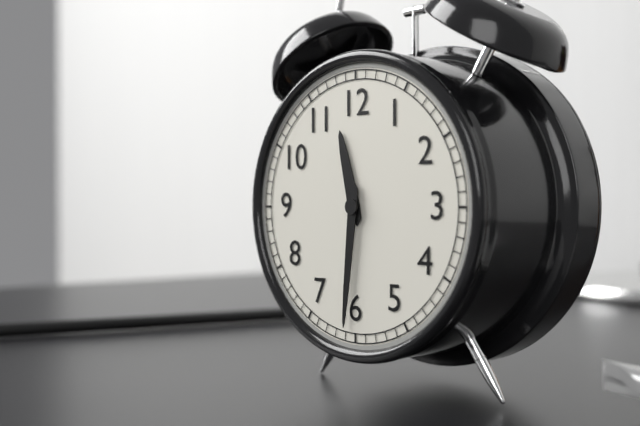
11,31
